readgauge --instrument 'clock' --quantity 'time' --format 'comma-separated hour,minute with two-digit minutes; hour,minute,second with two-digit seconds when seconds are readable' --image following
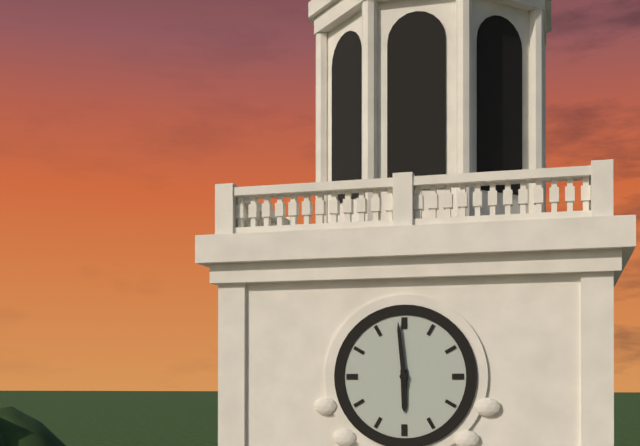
5,59
